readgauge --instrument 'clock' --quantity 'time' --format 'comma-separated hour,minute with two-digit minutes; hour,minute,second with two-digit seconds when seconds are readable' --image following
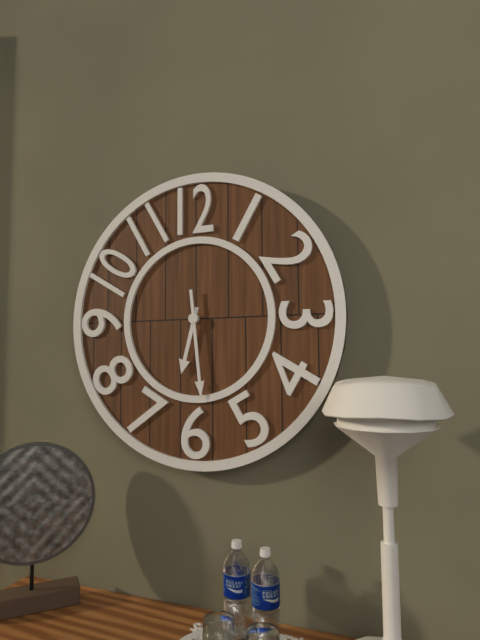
6,29
